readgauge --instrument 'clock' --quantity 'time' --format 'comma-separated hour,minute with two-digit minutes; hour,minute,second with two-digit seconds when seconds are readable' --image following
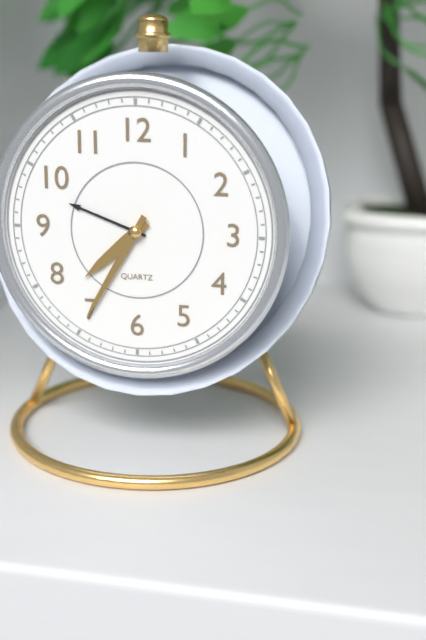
7,35
